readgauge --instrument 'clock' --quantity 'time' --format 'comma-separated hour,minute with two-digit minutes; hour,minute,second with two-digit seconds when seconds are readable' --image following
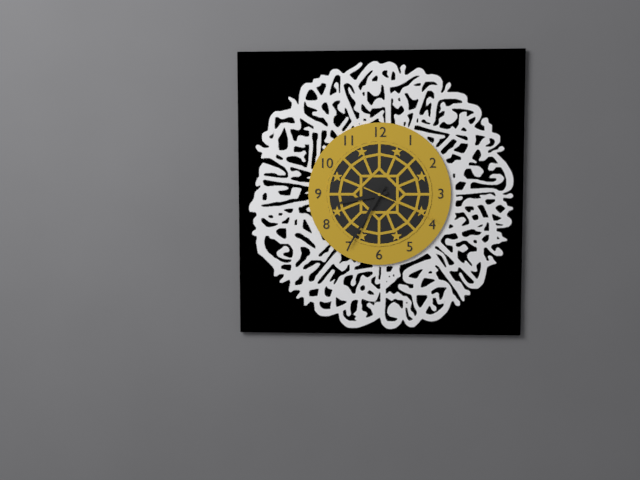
8,35,19
